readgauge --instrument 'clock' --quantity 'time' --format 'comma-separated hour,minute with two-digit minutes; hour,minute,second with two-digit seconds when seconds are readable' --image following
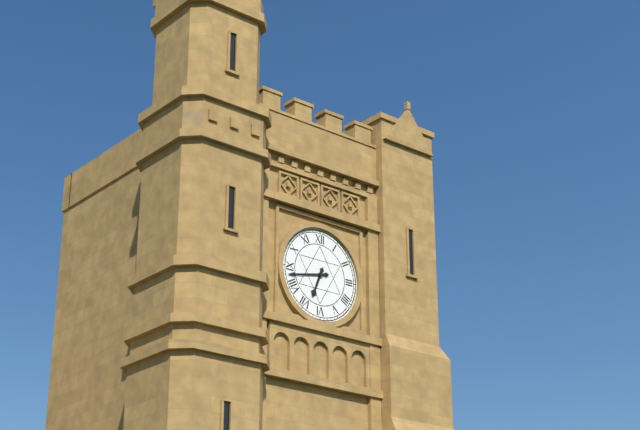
6,43
